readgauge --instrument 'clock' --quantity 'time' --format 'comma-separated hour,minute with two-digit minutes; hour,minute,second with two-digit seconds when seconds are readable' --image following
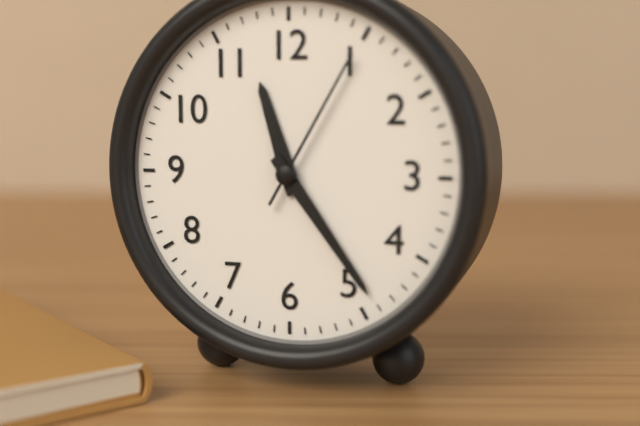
11,24,05
